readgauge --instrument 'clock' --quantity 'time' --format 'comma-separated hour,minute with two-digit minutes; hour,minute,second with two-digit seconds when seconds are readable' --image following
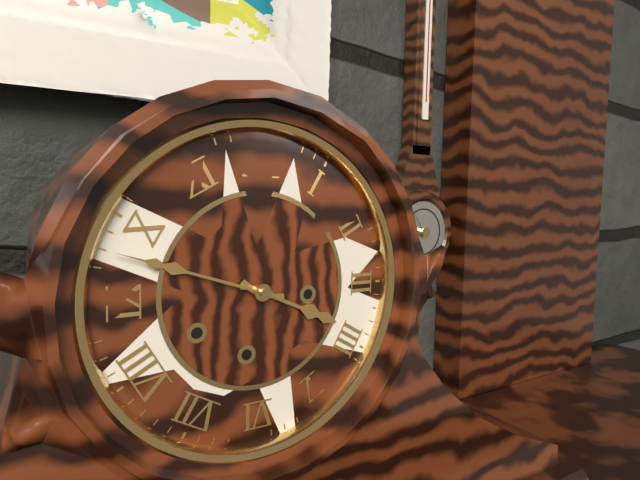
3,48
